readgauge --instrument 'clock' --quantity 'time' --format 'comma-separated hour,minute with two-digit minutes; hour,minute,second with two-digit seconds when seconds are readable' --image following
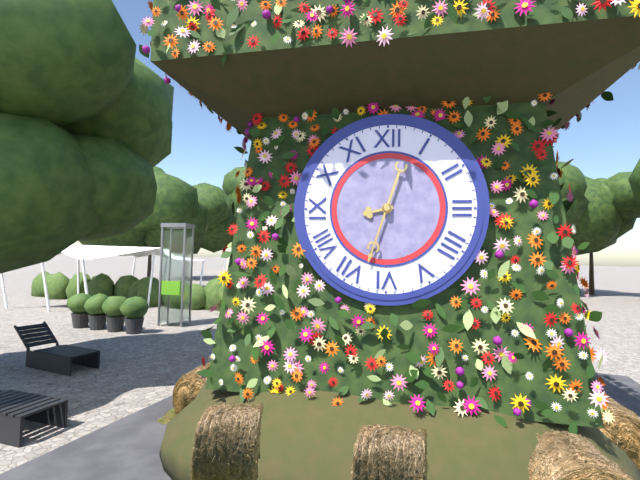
8,33
